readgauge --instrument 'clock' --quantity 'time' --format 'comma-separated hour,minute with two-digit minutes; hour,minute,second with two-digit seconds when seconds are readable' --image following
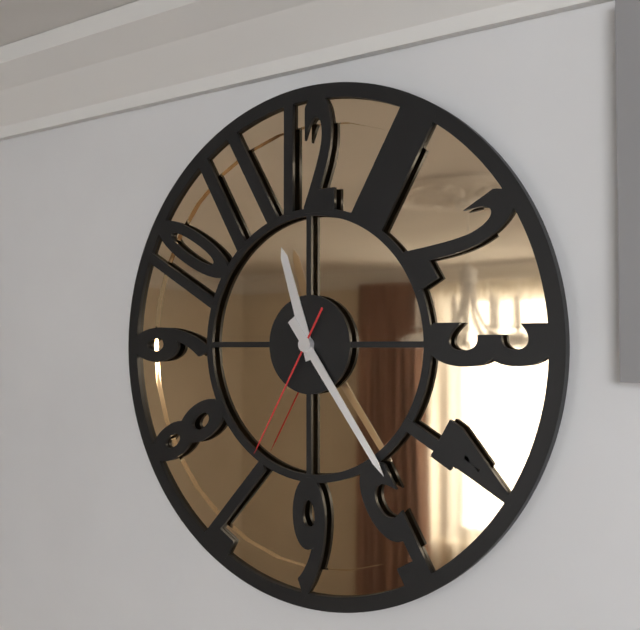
11,24,35
